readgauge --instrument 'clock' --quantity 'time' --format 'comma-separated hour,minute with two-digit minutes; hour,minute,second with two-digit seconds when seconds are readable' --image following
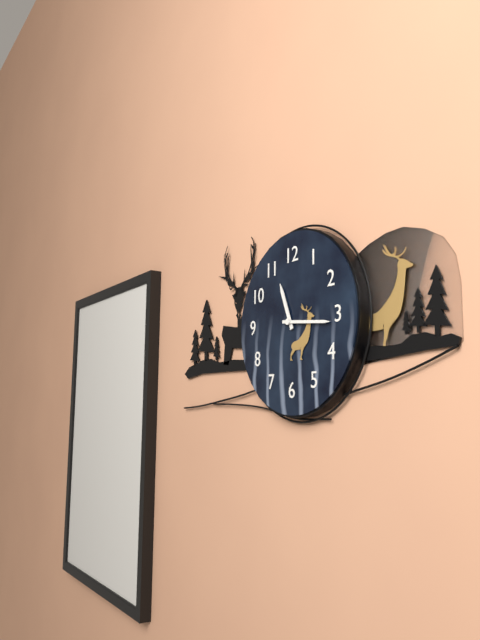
11,16
